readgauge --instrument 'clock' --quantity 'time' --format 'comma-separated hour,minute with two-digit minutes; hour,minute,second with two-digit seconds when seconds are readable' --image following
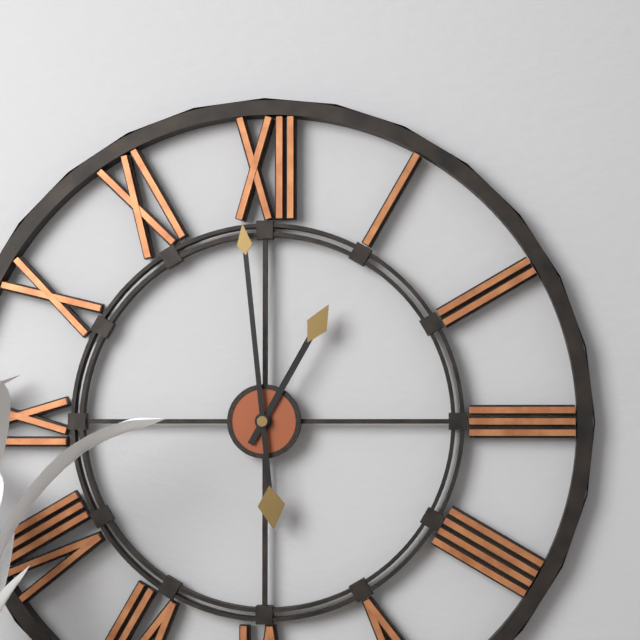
12,59
